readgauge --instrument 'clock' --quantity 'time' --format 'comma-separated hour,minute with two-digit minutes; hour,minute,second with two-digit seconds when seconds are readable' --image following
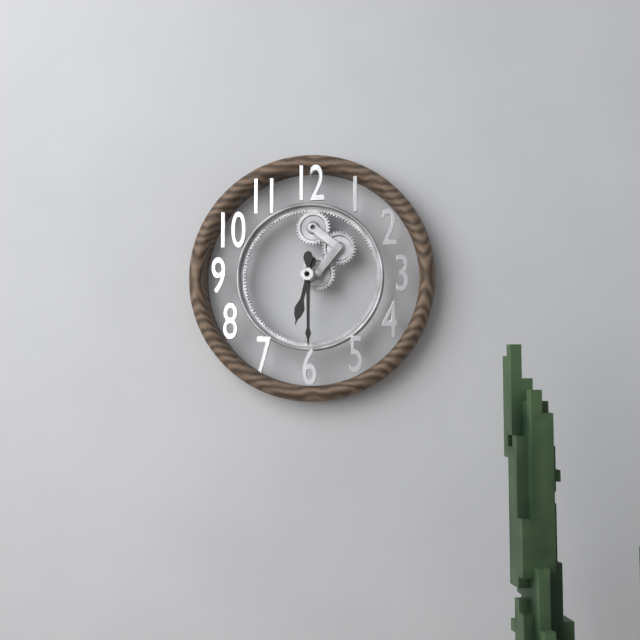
6,30
